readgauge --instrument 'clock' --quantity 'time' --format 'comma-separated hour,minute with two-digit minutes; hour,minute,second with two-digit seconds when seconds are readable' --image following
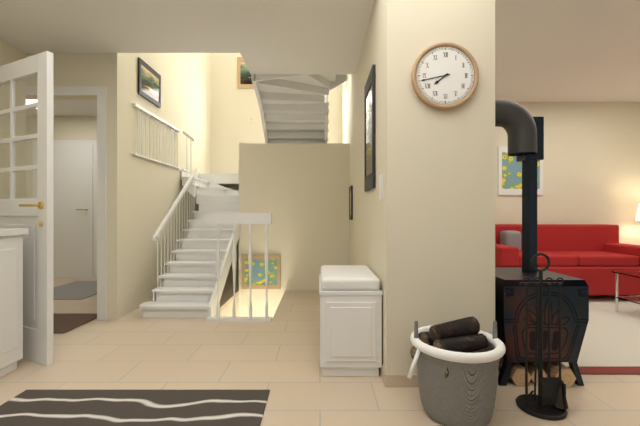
7,43
